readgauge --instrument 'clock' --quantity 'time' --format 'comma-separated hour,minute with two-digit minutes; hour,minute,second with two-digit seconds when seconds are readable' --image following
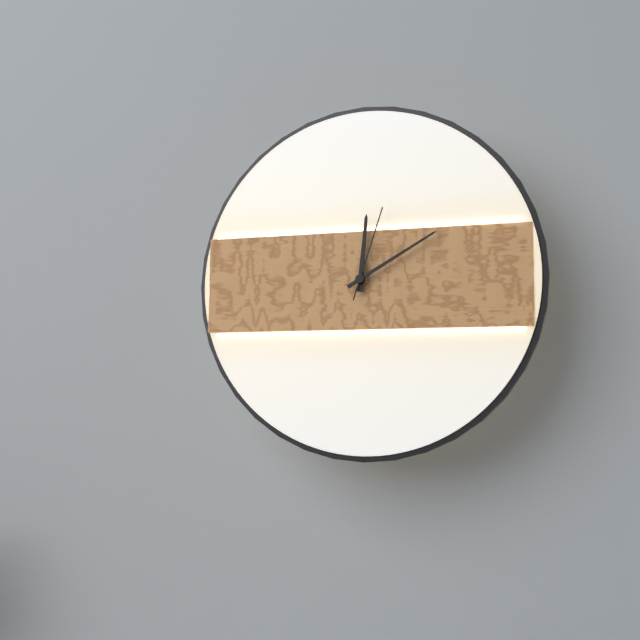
12,10,03
